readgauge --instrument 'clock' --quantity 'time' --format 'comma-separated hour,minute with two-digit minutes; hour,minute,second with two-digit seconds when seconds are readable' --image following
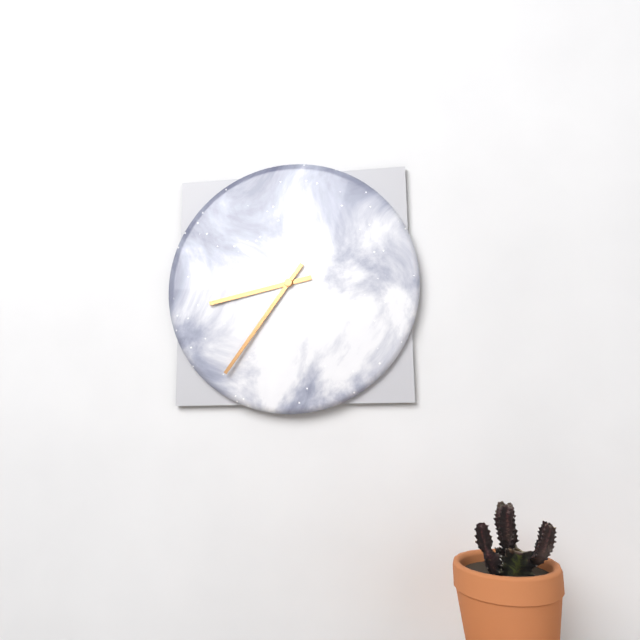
8,36
